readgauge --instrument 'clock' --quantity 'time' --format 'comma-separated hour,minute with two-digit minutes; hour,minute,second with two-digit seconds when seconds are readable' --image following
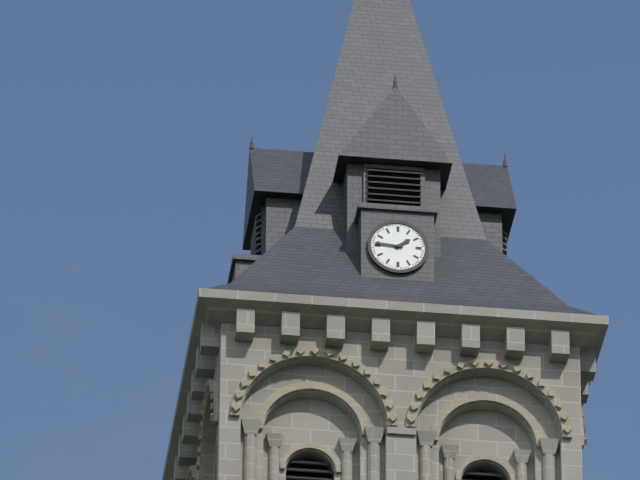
1,46
